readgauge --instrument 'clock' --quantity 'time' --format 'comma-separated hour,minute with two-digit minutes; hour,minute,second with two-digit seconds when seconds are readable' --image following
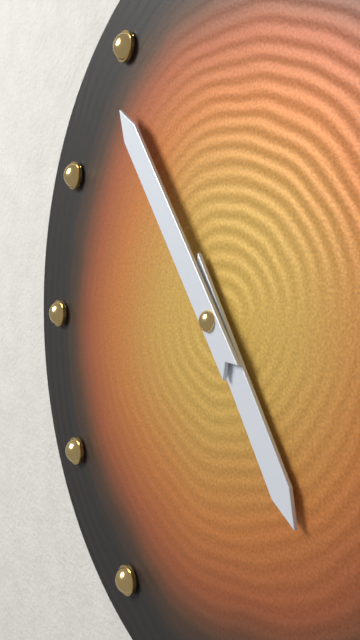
4,54
